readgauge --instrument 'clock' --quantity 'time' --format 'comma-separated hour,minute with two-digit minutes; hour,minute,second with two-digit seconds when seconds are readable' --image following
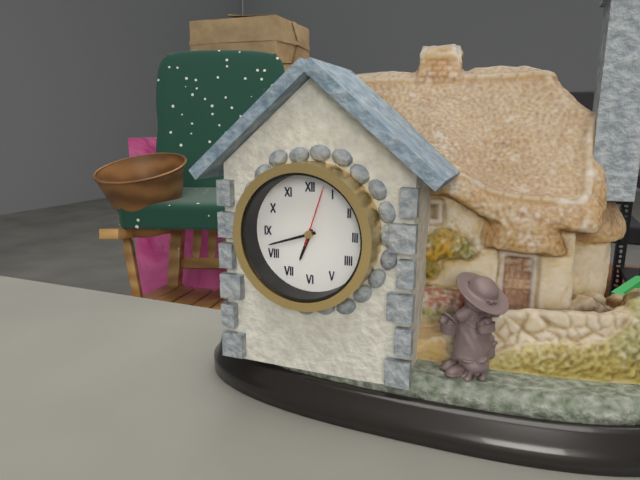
6,42,03
